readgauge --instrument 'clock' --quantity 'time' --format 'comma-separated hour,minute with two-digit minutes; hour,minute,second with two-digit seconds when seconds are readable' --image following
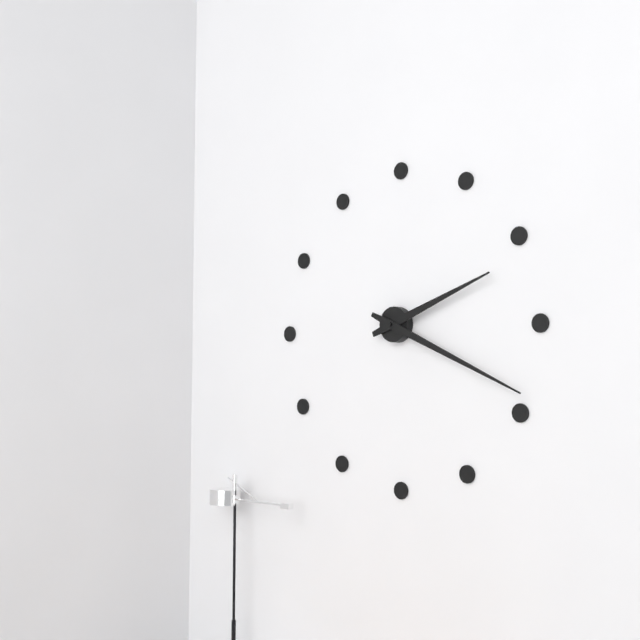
2,19
